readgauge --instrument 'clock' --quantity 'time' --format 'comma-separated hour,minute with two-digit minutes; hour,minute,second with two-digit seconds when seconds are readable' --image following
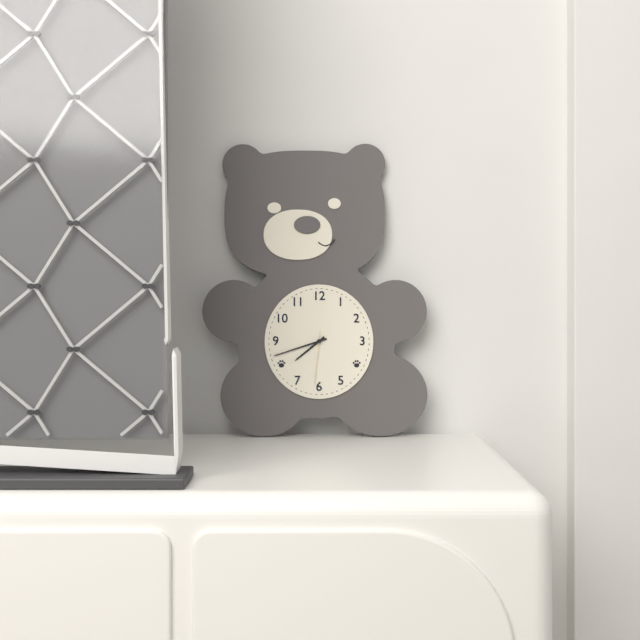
7,42,31
